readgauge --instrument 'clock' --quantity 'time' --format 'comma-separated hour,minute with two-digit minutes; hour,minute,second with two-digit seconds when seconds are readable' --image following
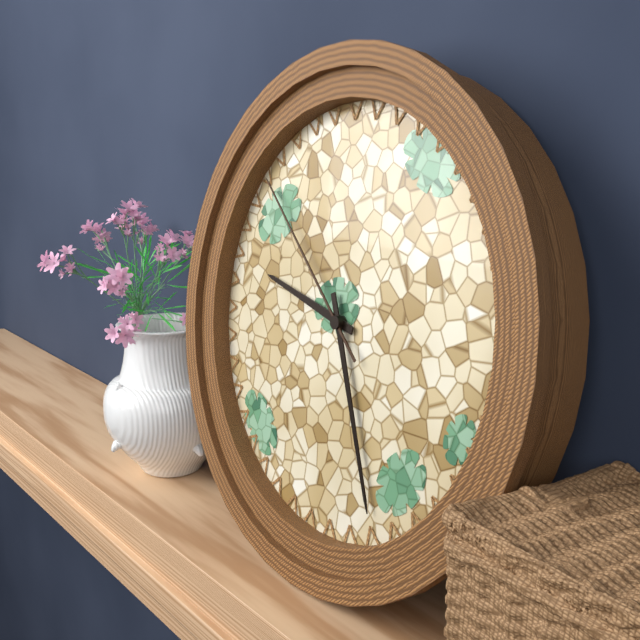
9,26,52
